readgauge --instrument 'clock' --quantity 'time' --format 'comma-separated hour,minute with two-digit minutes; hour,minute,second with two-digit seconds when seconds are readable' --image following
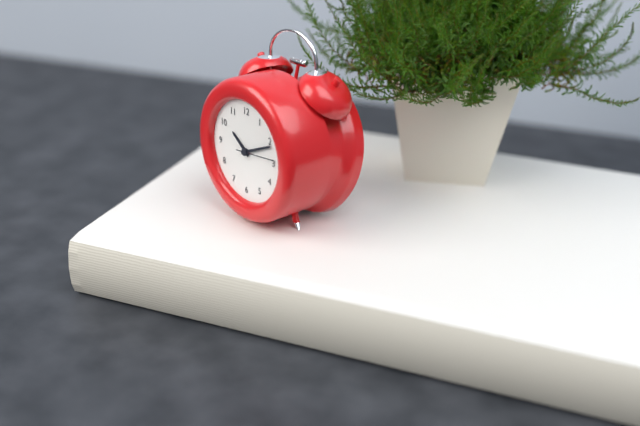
10,11
